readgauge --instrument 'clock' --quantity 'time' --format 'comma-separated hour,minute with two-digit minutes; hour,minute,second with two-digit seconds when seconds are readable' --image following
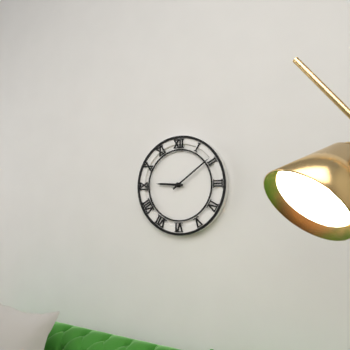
9,09
